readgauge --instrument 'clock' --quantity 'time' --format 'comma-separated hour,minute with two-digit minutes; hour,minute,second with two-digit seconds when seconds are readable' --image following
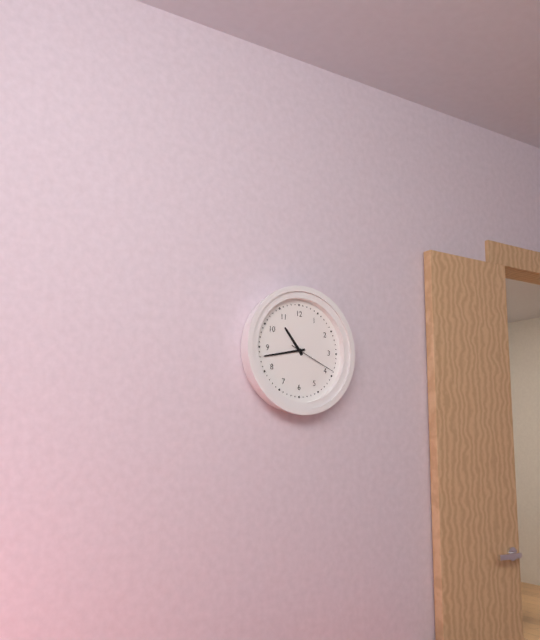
10,43
